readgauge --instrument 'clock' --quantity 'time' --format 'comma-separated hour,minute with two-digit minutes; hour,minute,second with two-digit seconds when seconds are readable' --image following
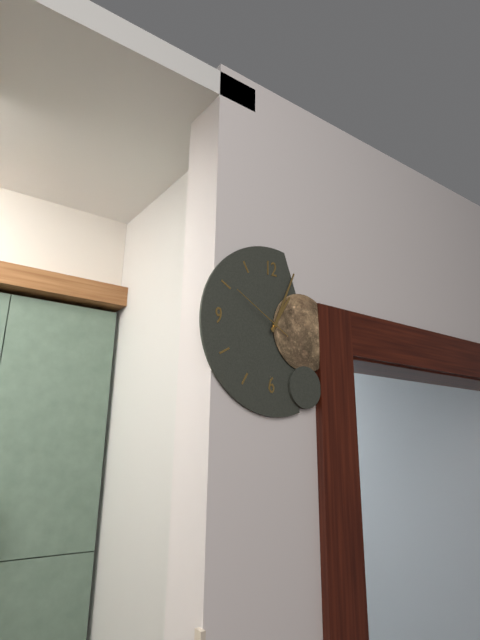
1,04,50
